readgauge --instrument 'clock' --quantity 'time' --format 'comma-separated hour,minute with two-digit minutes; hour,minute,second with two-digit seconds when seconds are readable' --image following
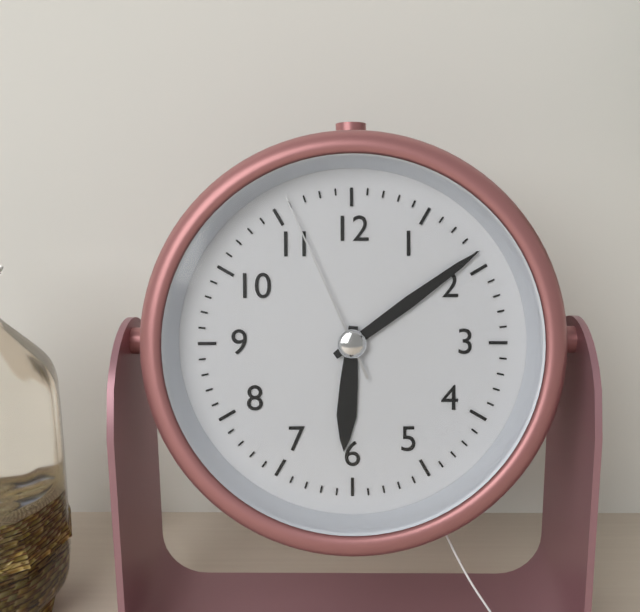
6,09,56
